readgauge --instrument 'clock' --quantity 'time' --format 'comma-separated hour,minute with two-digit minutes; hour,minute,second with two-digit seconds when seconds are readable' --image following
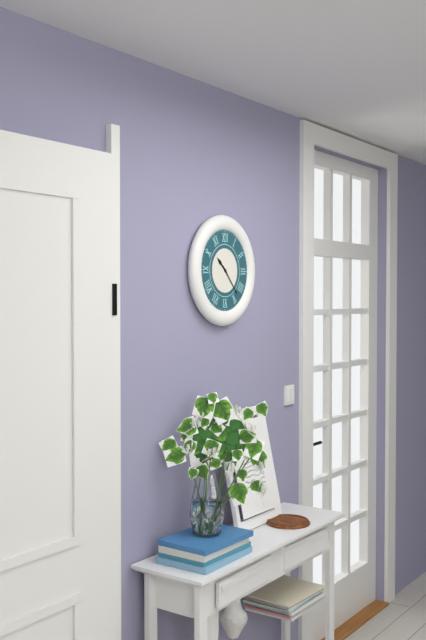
10,23
